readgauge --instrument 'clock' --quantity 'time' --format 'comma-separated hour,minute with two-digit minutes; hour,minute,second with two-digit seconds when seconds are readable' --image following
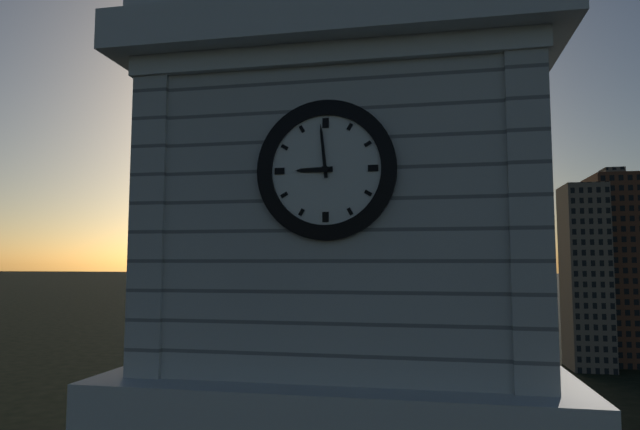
8,59
